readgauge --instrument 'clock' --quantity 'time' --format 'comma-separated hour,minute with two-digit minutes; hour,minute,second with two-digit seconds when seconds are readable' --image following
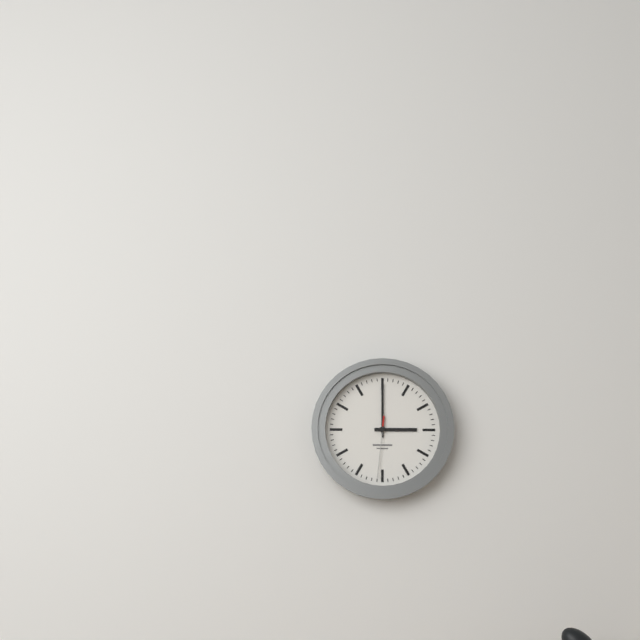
3,00,31
